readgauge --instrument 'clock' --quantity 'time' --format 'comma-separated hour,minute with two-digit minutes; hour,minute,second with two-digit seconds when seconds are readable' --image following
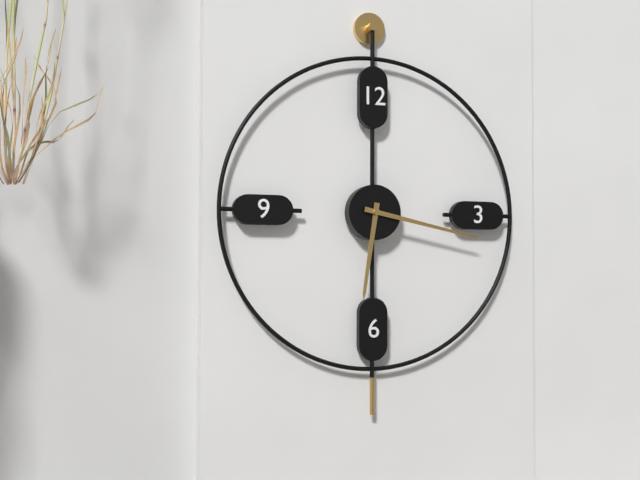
6,17
